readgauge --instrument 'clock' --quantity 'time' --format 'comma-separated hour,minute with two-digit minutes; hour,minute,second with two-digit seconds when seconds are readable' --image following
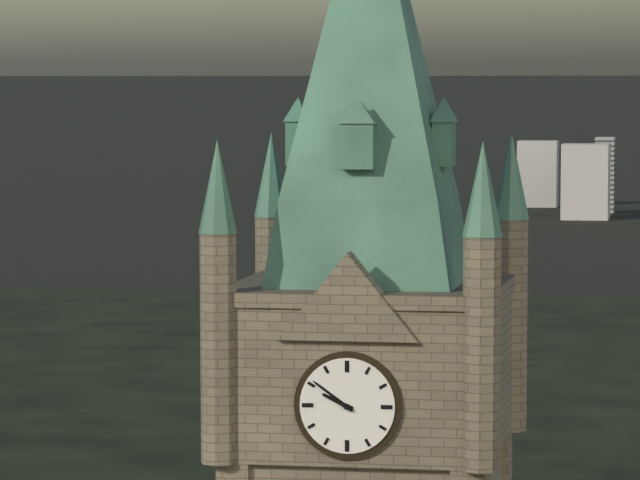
9,51
